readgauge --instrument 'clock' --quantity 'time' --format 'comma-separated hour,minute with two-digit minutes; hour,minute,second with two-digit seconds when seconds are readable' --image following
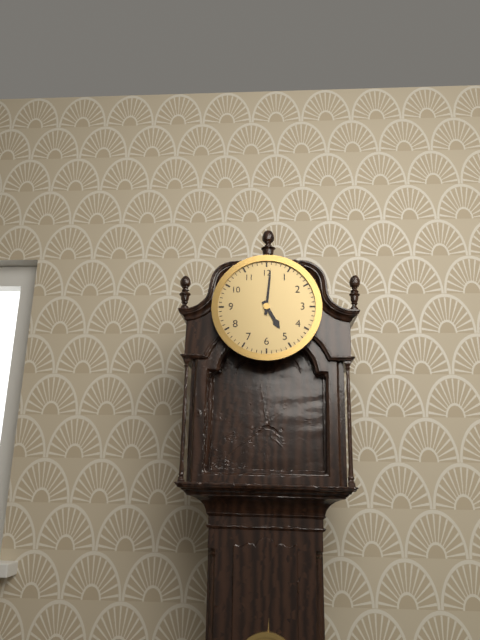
5,01
